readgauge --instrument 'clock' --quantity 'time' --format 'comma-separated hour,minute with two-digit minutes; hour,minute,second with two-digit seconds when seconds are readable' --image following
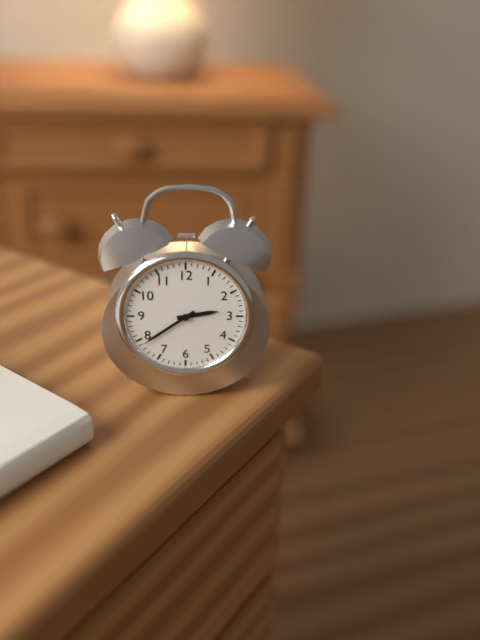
2,39
